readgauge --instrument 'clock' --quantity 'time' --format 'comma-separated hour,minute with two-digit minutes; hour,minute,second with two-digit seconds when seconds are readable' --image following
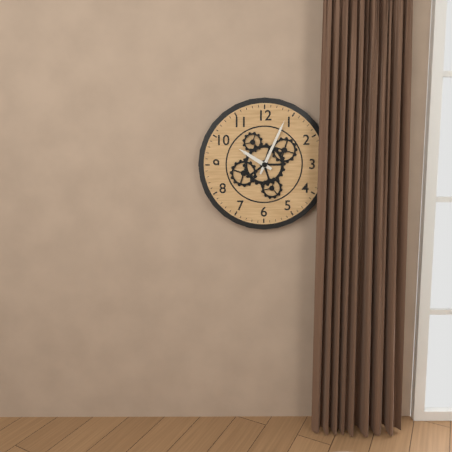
10,04
